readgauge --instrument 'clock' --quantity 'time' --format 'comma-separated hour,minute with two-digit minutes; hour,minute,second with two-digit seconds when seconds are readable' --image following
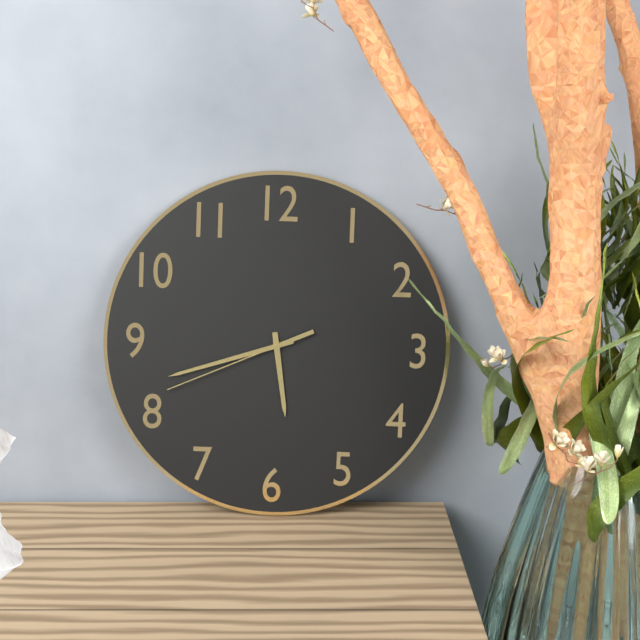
5,42,41
